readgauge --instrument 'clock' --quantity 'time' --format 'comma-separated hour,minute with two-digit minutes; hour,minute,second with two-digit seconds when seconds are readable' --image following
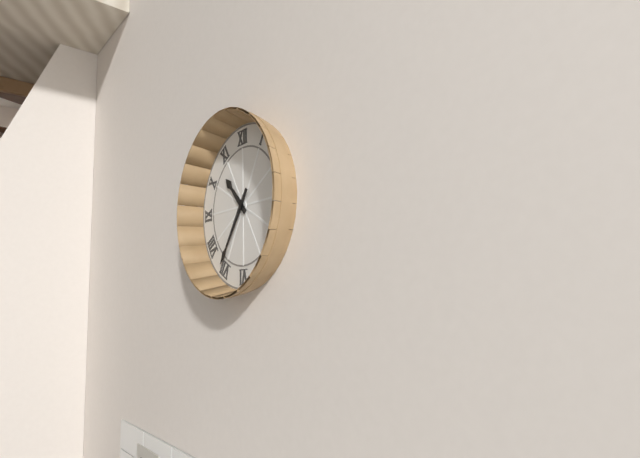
10,36
